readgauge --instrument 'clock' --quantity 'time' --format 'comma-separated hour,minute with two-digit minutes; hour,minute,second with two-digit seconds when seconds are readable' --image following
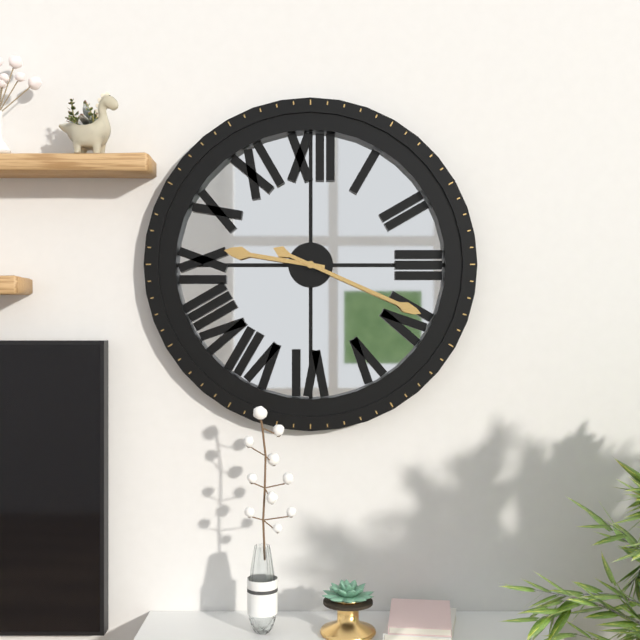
9,19
